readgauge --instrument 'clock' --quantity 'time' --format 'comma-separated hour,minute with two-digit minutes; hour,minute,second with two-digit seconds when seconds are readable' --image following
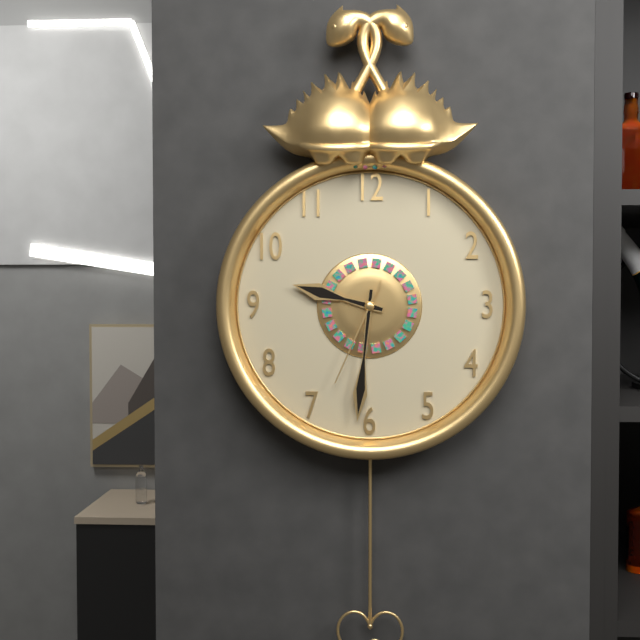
9,31,34
